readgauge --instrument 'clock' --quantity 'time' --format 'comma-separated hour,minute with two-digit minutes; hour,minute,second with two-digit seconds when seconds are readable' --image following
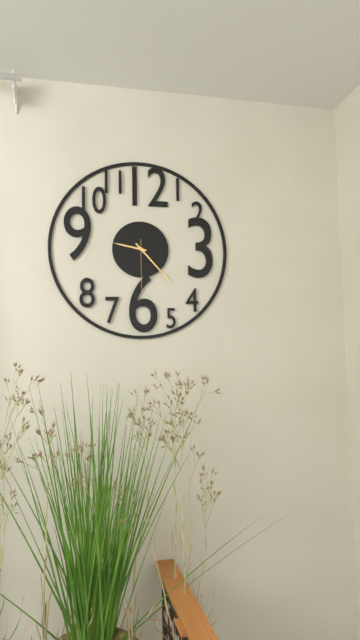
9,23,30
